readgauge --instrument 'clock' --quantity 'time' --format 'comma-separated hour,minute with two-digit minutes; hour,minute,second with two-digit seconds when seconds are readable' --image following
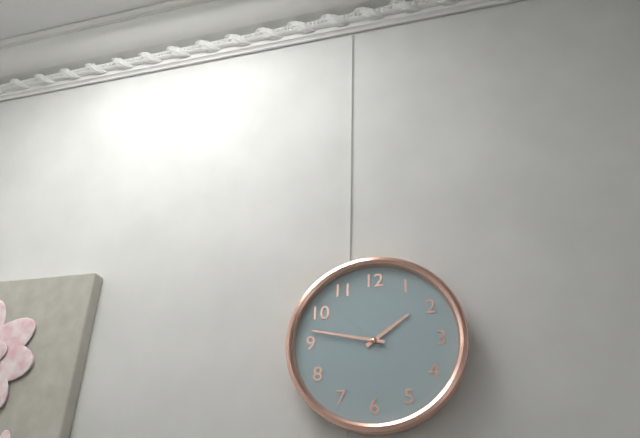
1,47
